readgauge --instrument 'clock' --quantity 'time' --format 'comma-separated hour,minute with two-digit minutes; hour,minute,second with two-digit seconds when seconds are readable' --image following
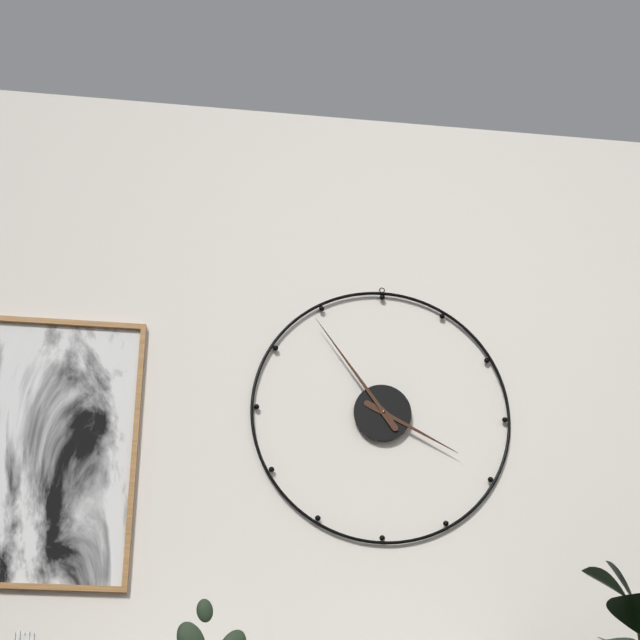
3,54
